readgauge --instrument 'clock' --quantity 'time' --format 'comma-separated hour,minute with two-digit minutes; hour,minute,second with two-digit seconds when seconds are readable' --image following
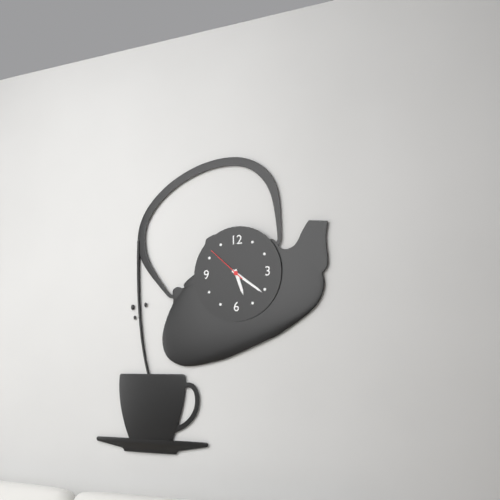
5,21
